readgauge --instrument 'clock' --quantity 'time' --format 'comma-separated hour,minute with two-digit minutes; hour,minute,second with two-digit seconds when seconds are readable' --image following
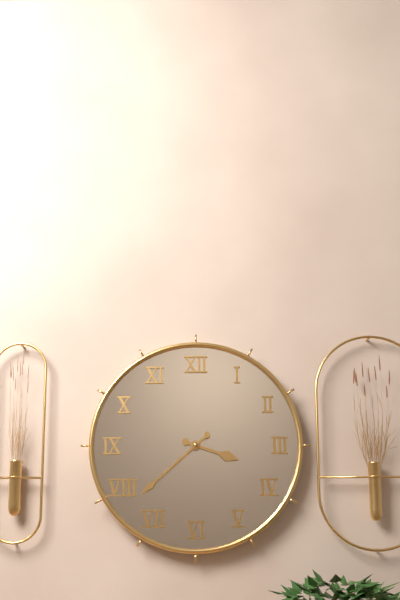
3,38
